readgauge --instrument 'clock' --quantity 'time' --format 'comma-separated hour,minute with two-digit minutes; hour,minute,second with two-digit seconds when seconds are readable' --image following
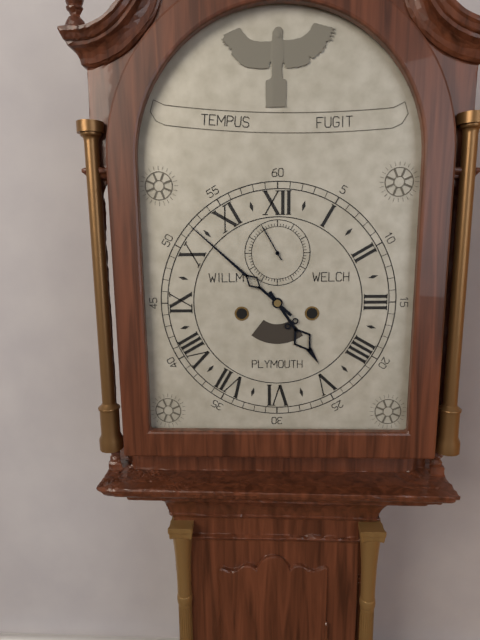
4,52
